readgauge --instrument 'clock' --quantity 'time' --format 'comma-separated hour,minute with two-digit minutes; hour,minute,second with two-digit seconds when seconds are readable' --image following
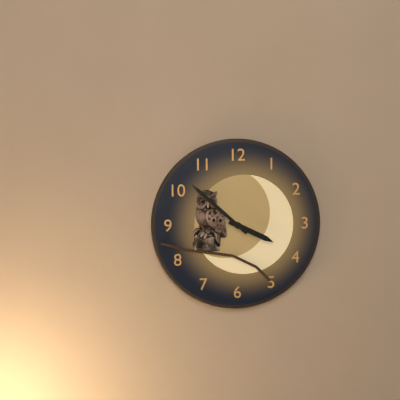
3,52
